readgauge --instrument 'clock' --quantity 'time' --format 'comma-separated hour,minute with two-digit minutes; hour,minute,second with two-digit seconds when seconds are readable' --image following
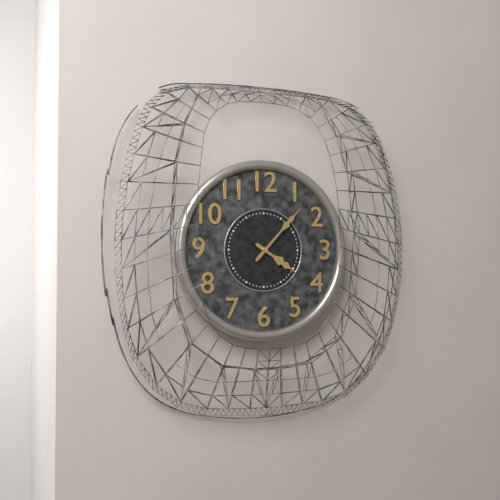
4,07
